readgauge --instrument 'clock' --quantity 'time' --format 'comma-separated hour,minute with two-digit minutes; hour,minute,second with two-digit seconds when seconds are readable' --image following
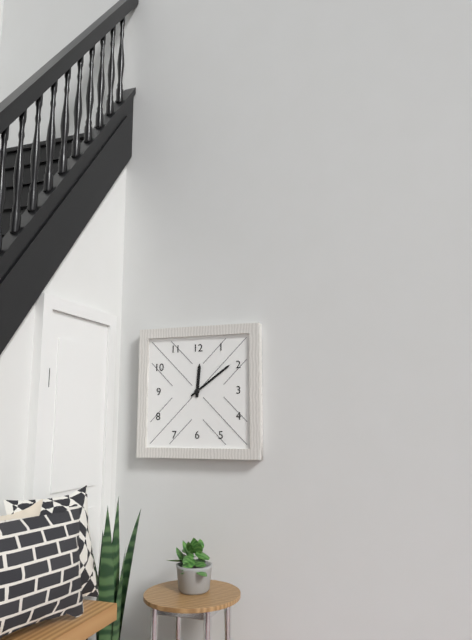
12,09
